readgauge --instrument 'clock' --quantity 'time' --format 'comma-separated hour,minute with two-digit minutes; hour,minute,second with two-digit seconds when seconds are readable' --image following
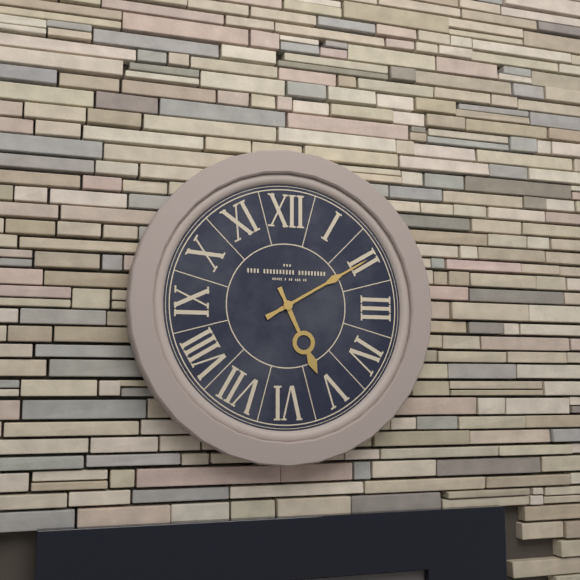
5,10
